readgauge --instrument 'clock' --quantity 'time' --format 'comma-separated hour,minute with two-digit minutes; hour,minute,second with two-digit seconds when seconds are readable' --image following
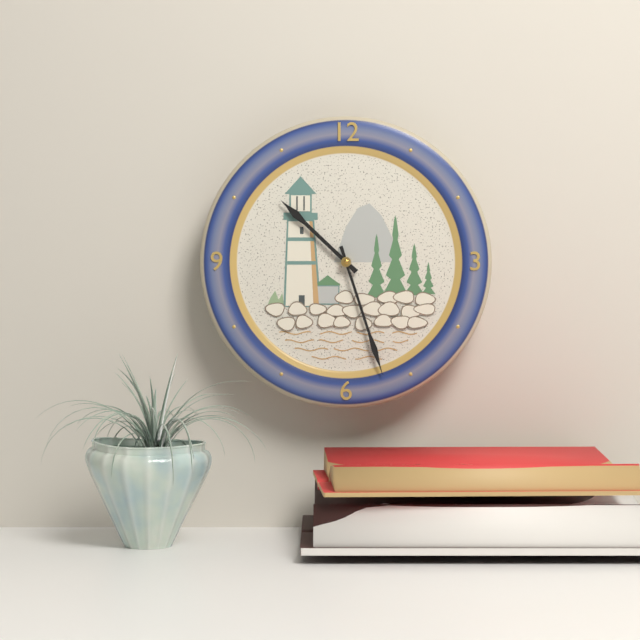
10,27
